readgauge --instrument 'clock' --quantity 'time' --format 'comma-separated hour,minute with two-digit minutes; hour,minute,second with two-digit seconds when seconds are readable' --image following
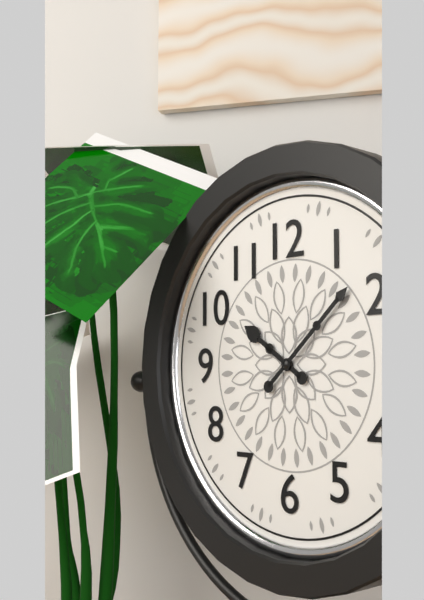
10,08
